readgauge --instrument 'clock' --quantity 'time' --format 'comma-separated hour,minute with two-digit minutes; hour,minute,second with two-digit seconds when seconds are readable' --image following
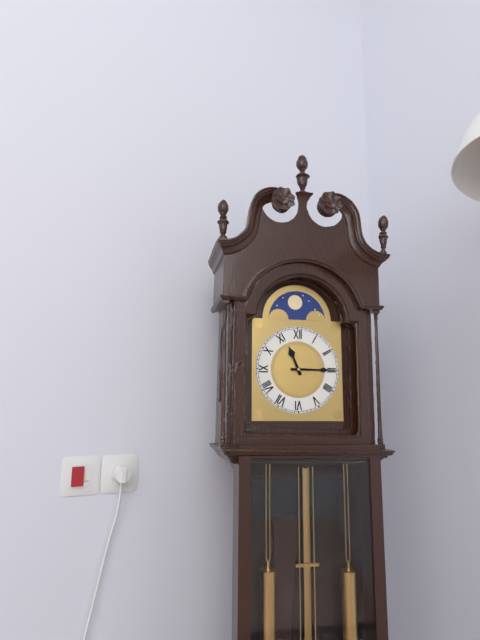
11,15
